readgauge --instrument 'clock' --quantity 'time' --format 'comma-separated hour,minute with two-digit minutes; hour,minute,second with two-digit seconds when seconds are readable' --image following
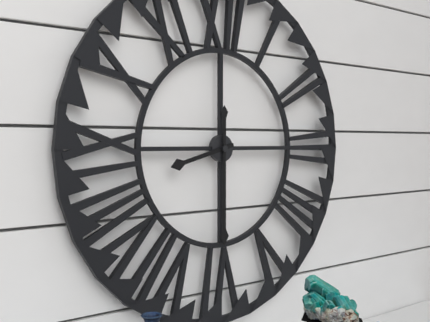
8,30
